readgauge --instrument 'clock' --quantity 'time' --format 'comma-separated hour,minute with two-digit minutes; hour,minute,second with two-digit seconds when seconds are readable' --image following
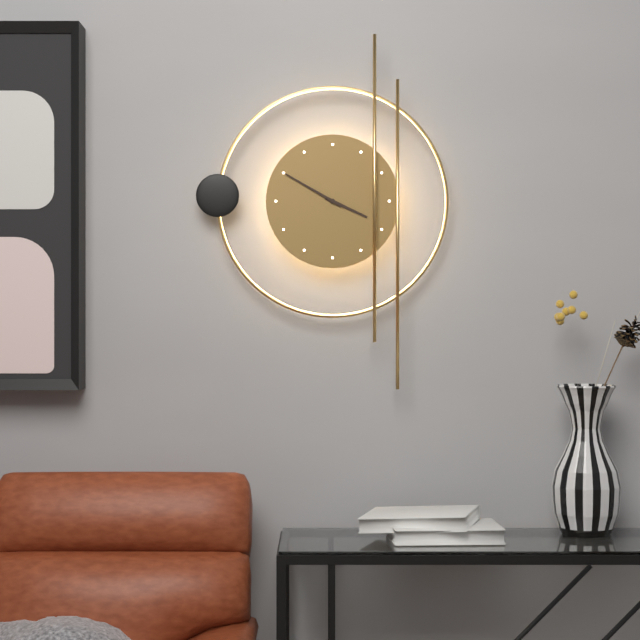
3,50
